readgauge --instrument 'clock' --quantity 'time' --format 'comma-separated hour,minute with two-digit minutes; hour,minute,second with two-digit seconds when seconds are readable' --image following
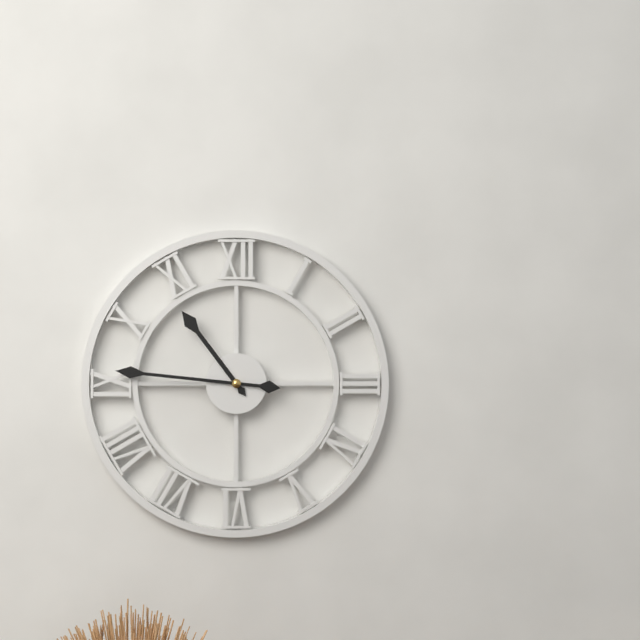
10,46
